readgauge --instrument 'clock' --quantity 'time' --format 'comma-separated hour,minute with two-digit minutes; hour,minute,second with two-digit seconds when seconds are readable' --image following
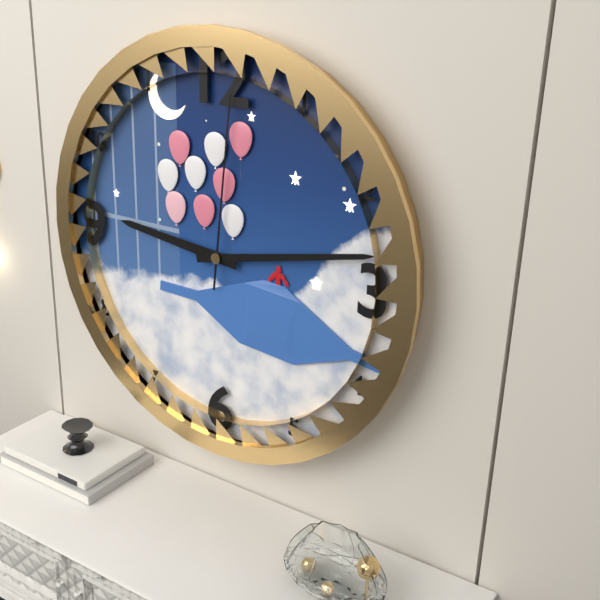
9,13,01
